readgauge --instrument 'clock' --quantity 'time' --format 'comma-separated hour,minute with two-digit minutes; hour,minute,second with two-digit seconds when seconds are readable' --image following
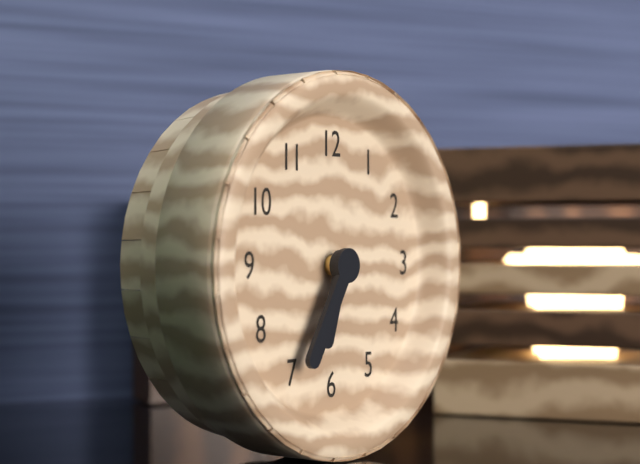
6,35
